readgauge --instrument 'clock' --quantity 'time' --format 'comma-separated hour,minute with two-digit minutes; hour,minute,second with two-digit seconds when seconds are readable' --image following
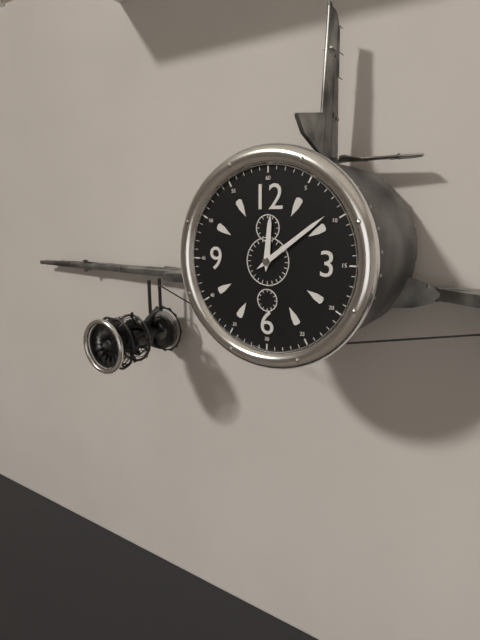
12,09
